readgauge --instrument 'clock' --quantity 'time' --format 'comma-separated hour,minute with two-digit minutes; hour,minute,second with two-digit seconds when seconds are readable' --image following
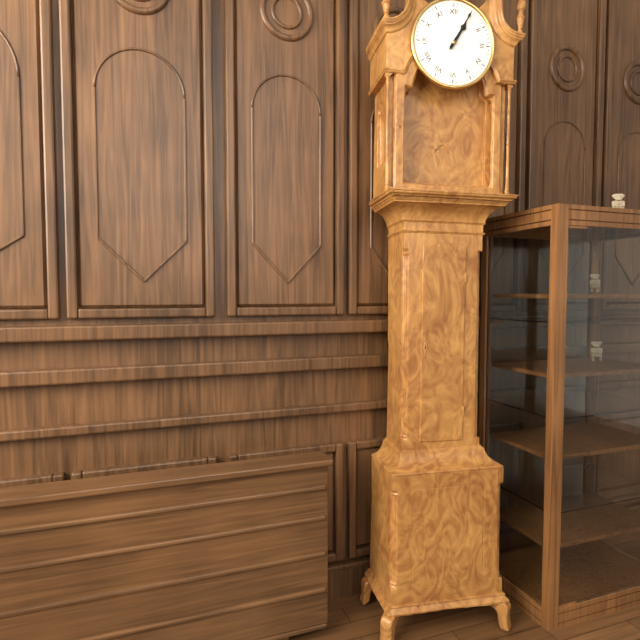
1,05
